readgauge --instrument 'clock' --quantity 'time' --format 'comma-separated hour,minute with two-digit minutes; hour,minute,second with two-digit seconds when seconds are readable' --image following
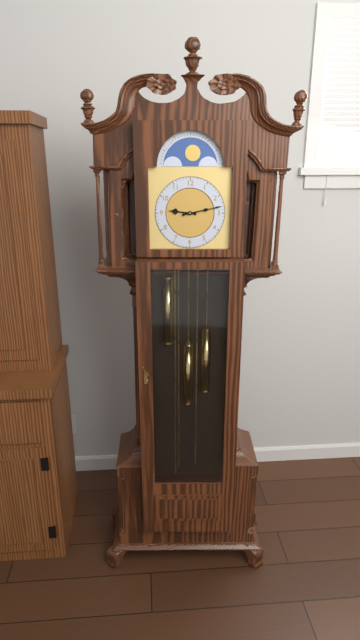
9,13
